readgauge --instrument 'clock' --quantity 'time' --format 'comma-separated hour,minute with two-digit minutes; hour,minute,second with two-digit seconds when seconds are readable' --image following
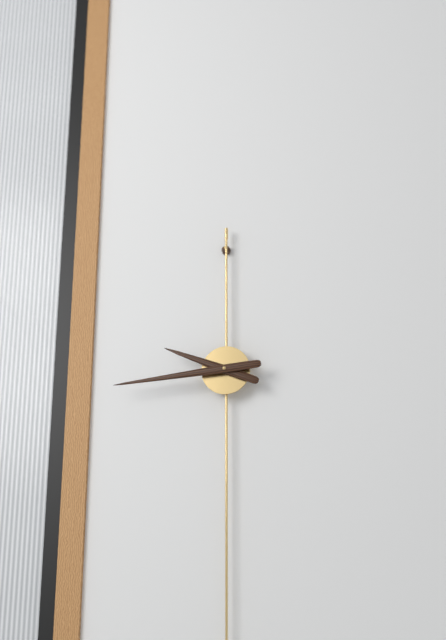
9,44
